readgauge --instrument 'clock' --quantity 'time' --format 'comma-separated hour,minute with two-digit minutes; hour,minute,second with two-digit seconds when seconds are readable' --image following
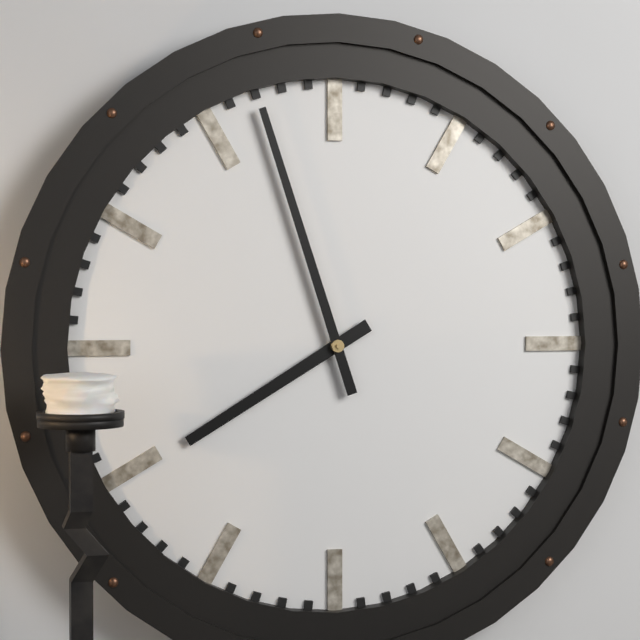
7,57
